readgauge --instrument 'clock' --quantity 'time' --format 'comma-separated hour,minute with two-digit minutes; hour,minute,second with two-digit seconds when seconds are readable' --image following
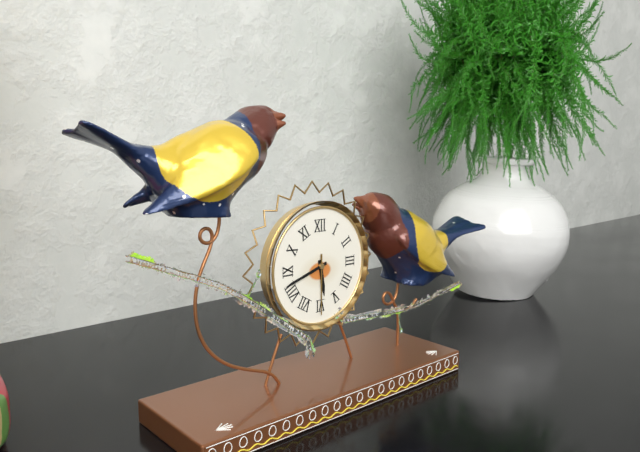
5,42,30
